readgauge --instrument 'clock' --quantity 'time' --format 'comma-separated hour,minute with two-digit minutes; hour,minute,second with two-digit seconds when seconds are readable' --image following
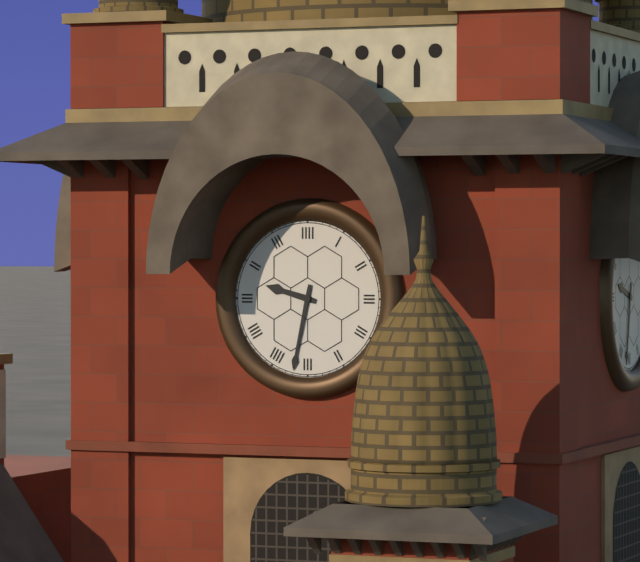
9,32
